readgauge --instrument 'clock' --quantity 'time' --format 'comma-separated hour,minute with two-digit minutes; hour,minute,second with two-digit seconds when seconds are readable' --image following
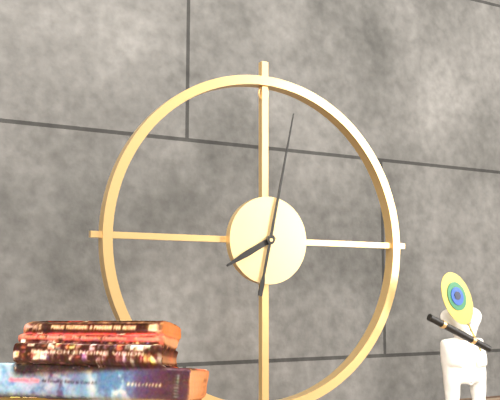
8,02
